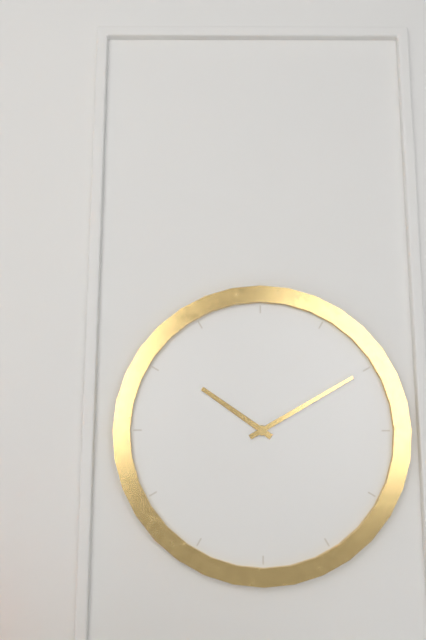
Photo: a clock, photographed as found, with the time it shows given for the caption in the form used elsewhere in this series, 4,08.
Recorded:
10,10
